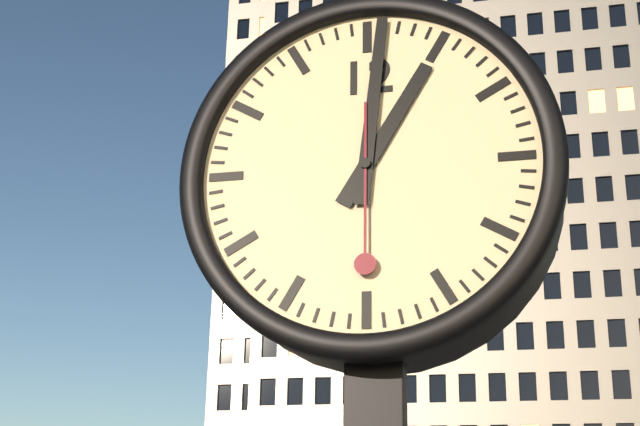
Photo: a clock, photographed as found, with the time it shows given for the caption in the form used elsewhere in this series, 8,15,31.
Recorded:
1,01,30
